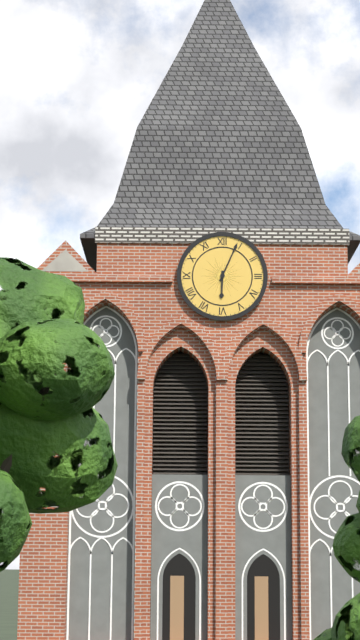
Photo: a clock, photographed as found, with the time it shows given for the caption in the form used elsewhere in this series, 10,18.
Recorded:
6,04
